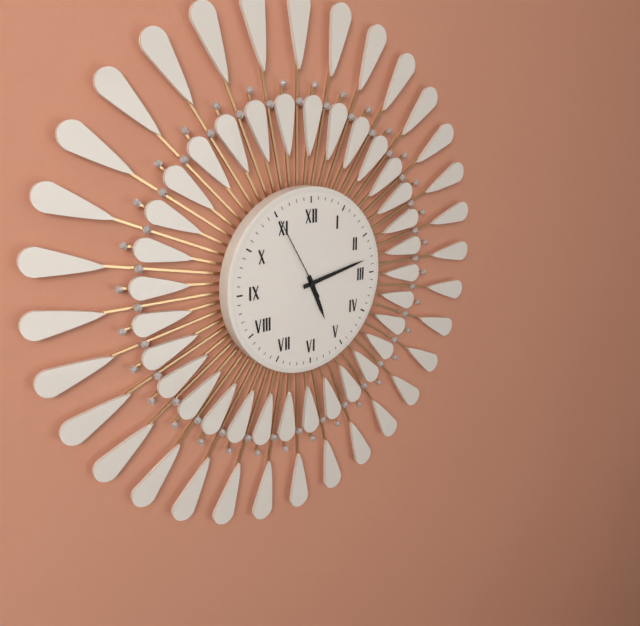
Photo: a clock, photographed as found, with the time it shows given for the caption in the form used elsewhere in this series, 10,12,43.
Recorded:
5,13,55
